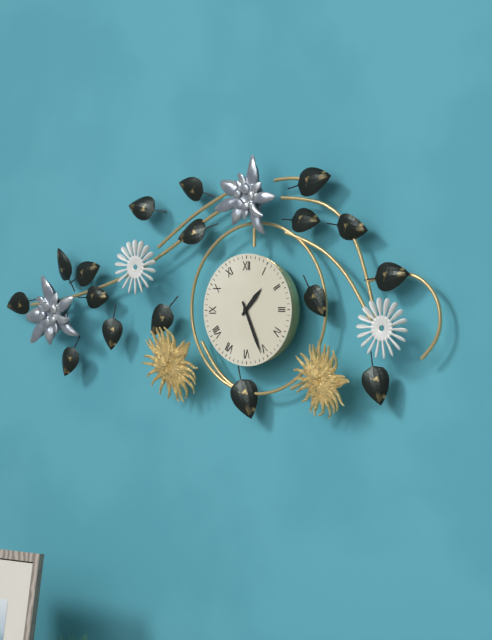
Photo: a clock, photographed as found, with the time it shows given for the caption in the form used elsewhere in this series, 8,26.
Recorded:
1,26
